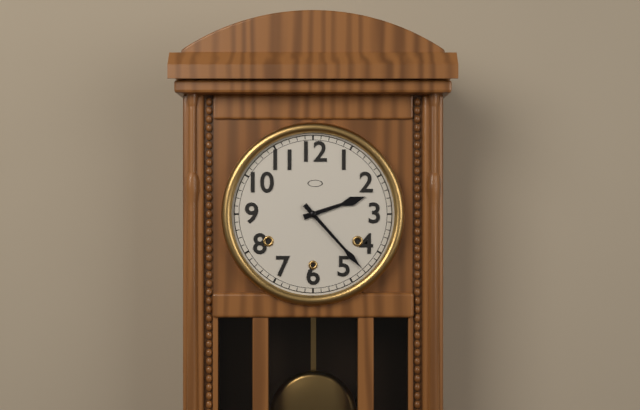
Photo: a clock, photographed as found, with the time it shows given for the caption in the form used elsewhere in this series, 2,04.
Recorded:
2,23
